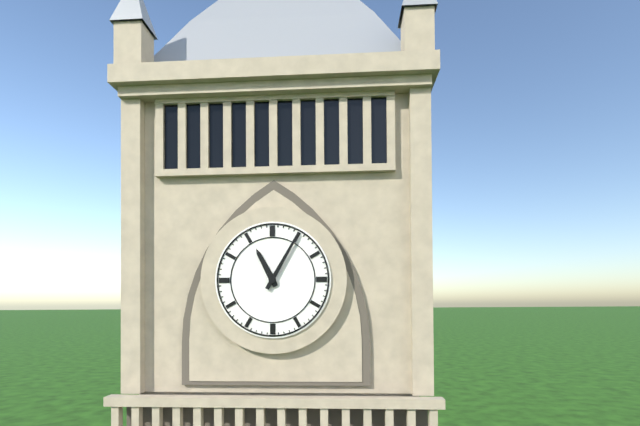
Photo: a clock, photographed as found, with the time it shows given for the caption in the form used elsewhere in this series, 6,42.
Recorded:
11,05
